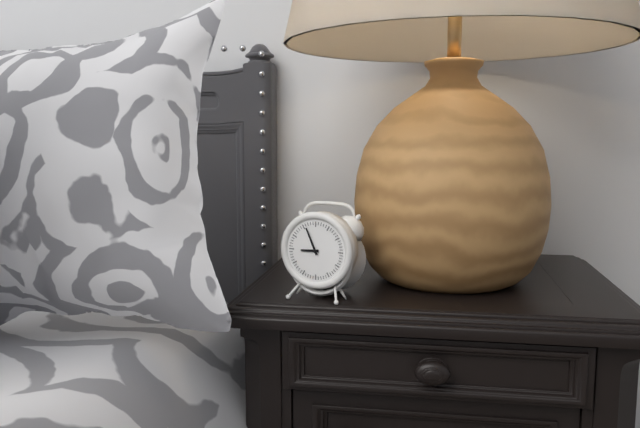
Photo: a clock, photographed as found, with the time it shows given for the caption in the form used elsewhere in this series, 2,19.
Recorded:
8,56
